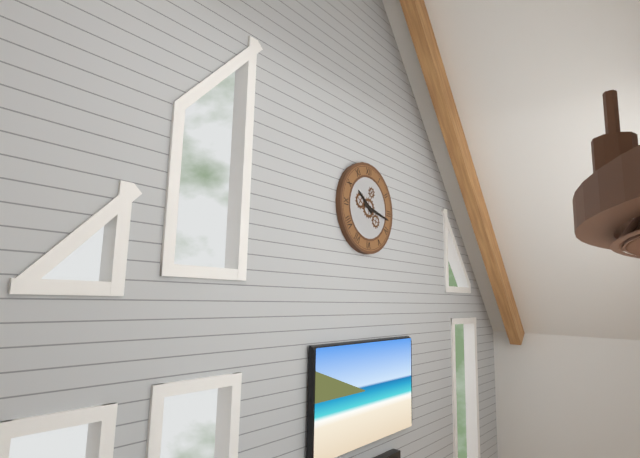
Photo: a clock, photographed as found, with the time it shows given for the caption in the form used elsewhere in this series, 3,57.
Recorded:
10,17
